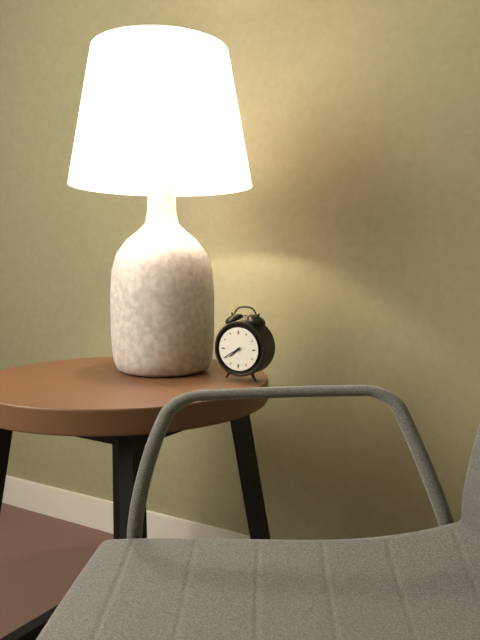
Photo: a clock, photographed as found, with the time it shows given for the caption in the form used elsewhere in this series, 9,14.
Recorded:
7,40
